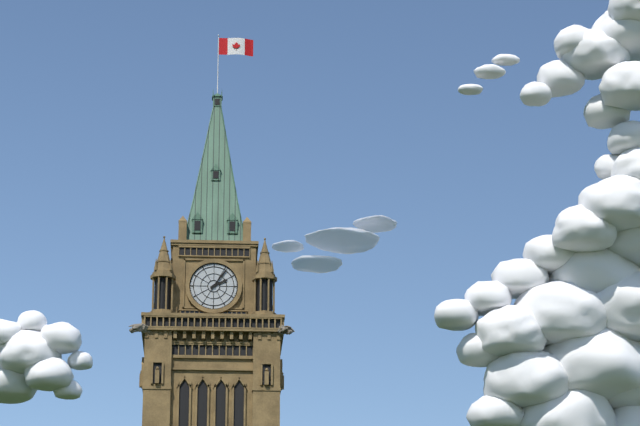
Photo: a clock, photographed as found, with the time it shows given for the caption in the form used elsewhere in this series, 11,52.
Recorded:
2,06
